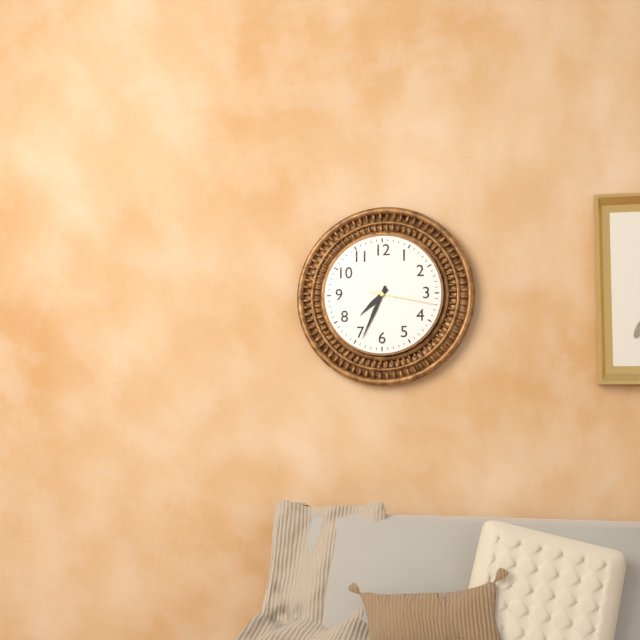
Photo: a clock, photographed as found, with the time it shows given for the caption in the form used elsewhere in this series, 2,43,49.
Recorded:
7,34,17
